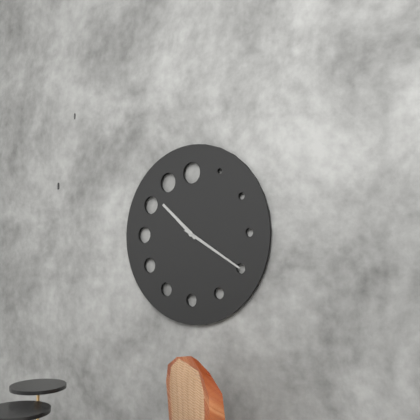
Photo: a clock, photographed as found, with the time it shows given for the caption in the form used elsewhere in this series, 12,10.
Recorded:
10,20
